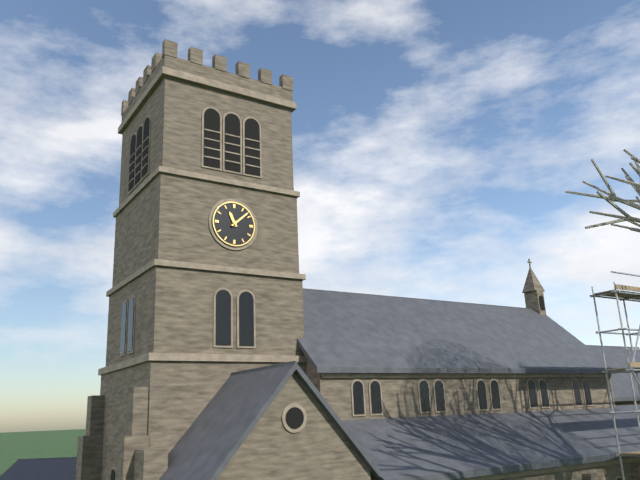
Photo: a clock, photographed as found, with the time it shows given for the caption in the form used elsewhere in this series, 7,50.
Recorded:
11,08
